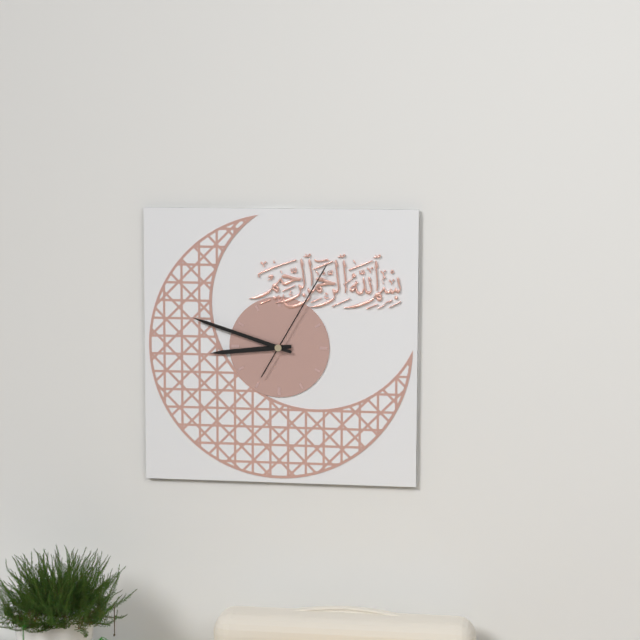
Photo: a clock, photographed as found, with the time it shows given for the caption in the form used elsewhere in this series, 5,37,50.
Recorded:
8,48,05
